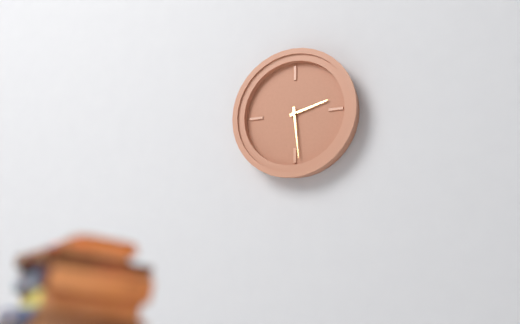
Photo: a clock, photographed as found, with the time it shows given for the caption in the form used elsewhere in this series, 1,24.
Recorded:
2,29
